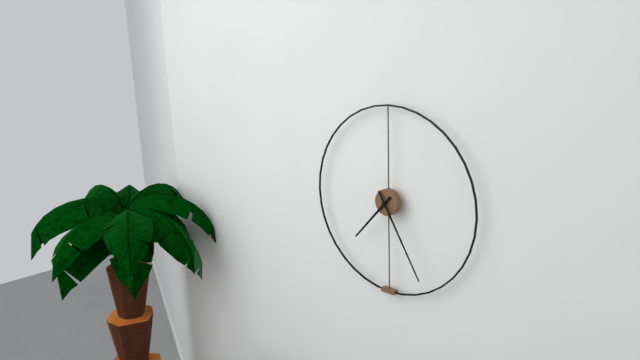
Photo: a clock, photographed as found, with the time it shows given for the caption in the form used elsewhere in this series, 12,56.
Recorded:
7,25
